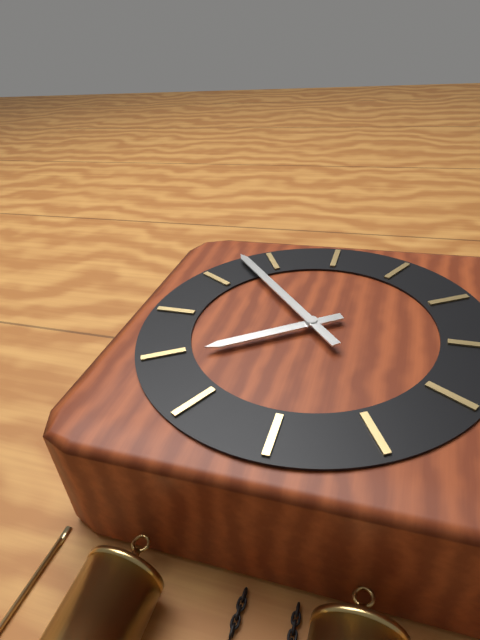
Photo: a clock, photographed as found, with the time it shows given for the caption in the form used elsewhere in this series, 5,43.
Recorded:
7,53
